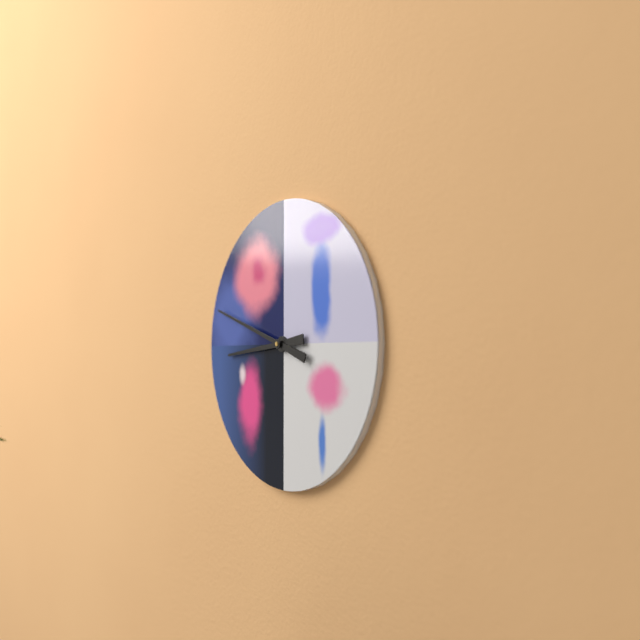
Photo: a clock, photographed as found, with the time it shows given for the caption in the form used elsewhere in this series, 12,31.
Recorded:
8,48
